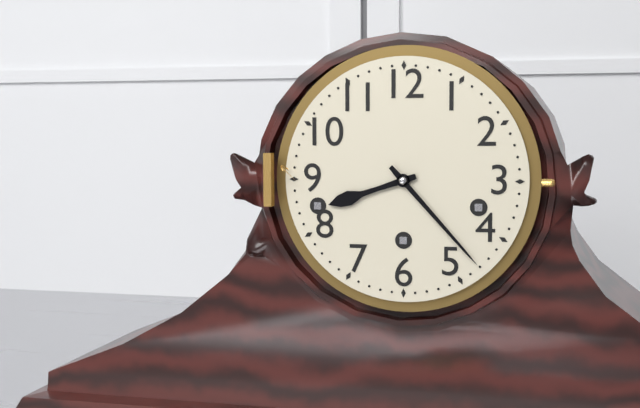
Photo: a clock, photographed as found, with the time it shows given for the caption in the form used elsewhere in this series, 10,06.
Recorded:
8,23
